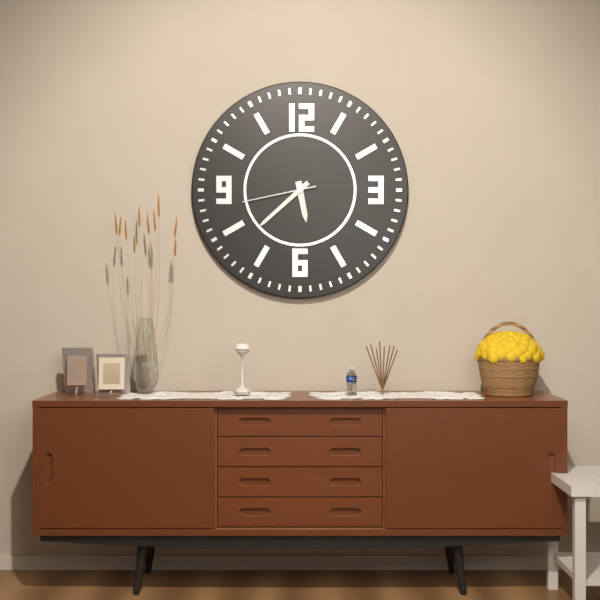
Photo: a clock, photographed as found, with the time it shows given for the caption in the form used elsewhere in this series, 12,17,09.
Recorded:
5,38,43
